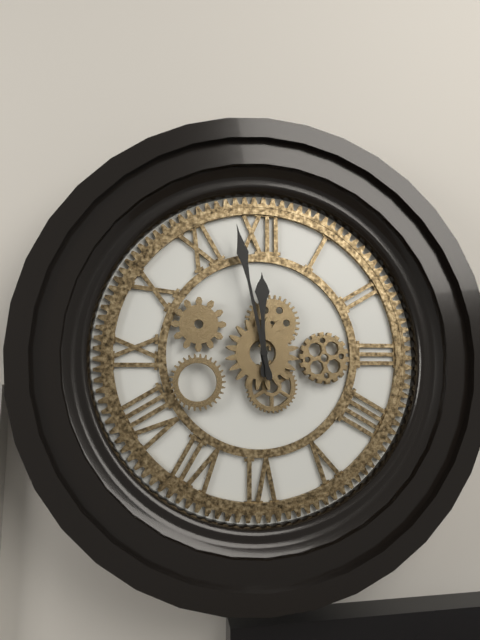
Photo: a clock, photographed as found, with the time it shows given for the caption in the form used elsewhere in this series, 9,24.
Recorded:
11,58
